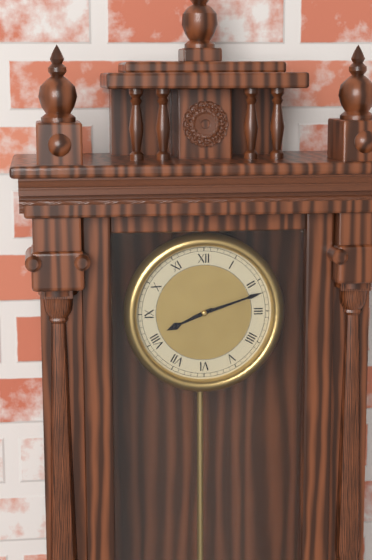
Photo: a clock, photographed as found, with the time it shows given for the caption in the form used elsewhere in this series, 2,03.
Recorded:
8,12
